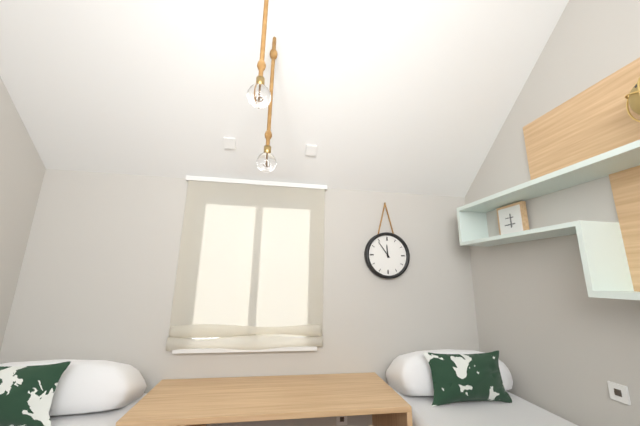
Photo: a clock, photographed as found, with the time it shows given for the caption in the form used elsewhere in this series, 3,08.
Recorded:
11,54
